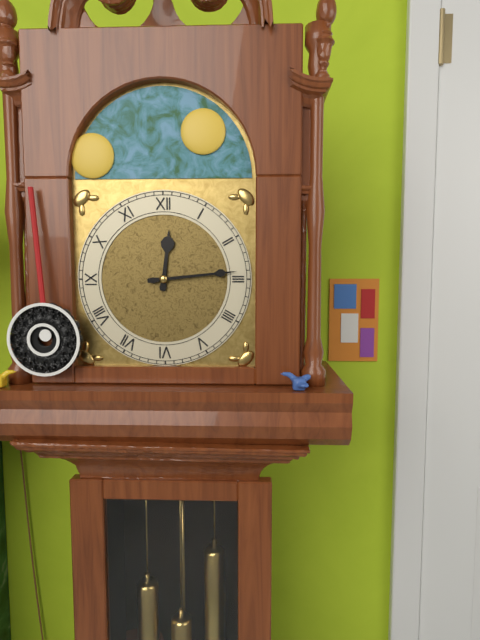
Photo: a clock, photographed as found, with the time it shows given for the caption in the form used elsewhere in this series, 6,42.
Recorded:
12,14
